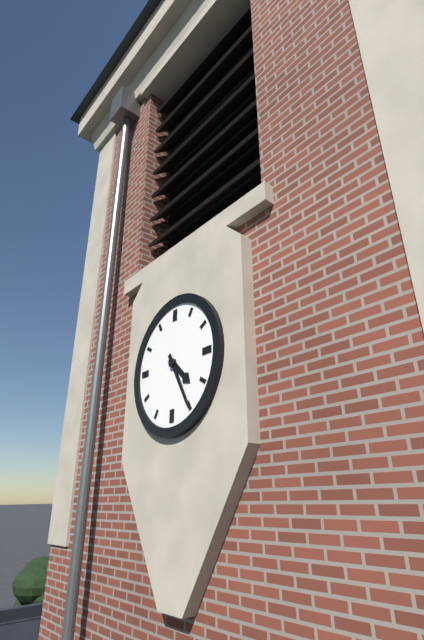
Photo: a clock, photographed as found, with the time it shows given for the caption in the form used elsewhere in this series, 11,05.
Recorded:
4,25
